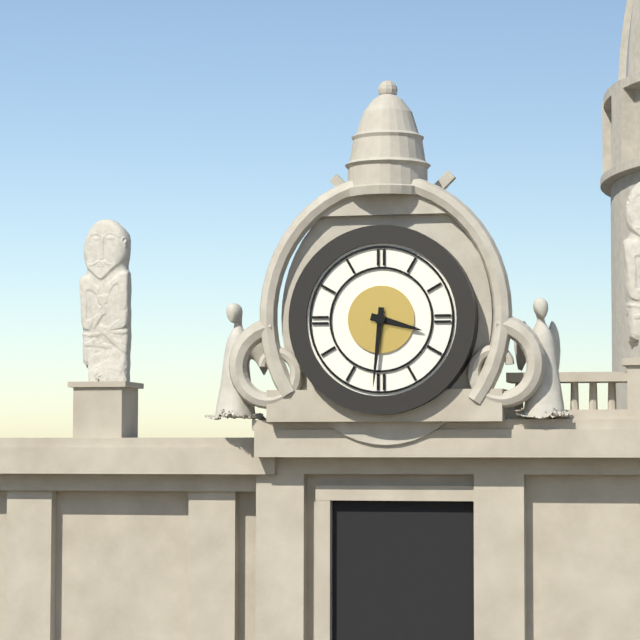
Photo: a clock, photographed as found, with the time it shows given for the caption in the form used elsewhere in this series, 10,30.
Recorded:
3,31
